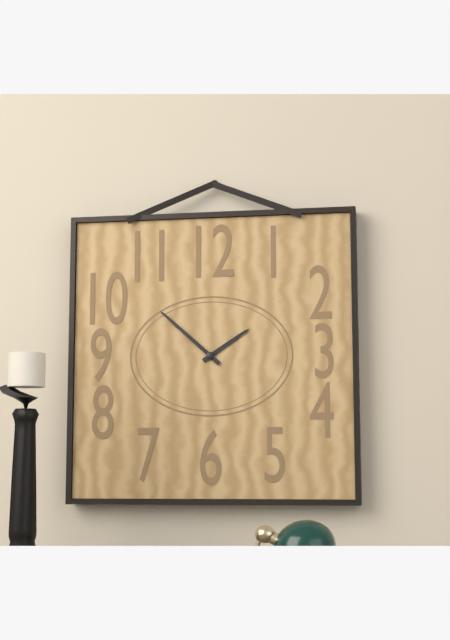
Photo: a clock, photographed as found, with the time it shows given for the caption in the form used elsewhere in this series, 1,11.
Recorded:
1,52
